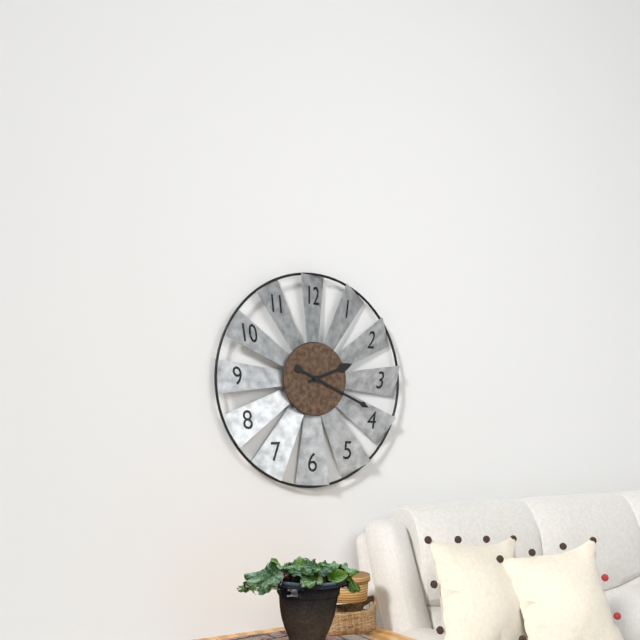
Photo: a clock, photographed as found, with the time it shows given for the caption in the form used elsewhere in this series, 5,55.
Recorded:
2,19
